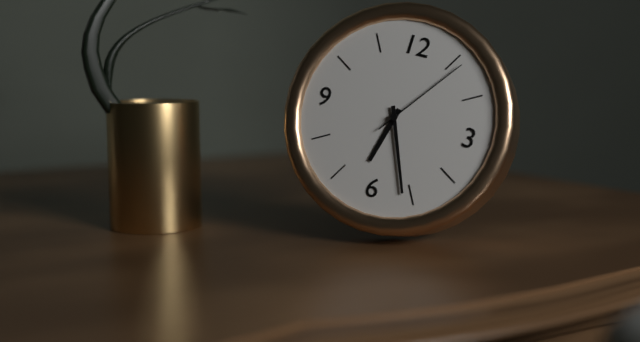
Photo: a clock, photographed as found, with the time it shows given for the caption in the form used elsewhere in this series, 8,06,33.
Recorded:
6,26,06
